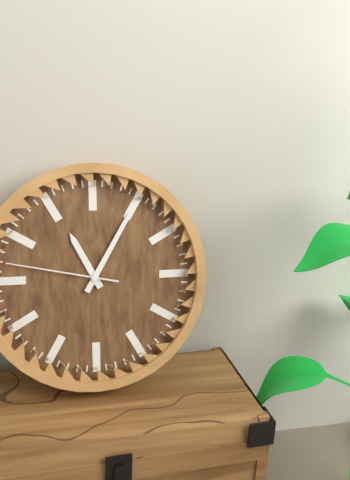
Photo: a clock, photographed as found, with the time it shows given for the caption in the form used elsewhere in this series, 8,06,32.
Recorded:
11,05,47
